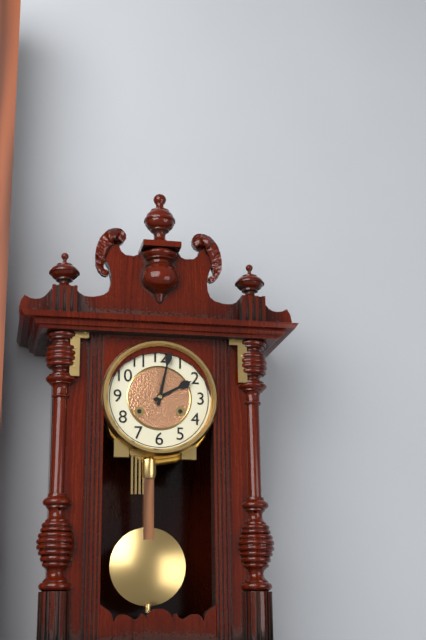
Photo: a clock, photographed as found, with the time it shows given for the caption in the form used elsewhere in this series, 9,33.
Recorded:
2,02
